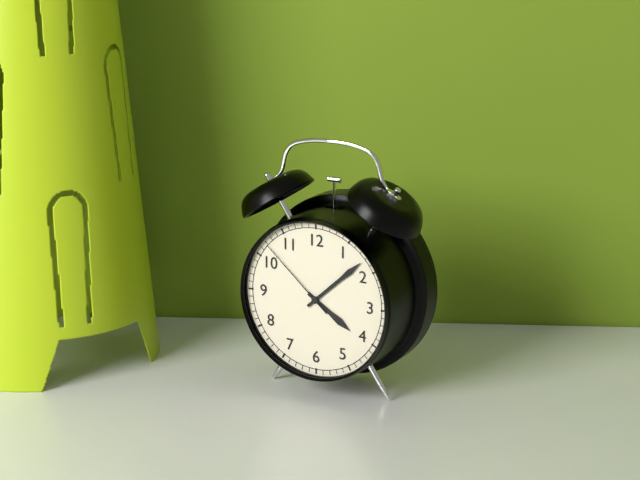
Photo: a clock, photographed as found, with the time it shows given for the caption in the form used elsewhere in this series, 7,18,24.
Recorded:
4,08,52
